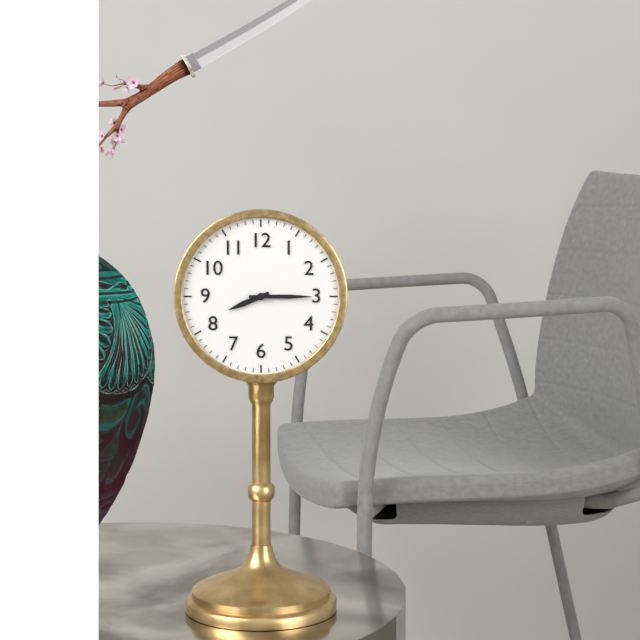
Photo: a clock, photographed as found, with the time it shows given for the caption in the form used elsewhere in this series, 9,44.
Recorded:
8,15
